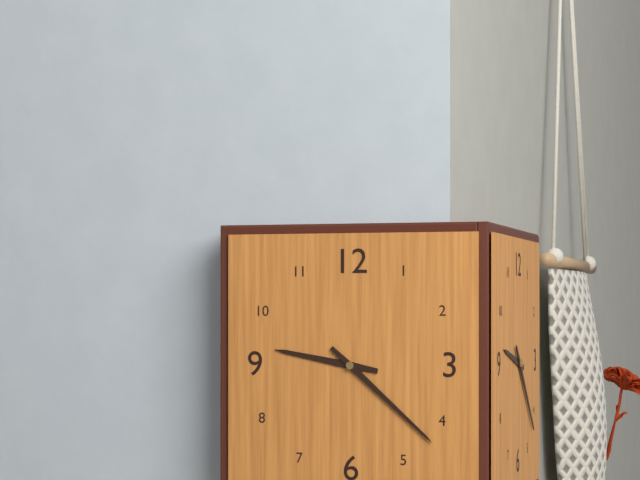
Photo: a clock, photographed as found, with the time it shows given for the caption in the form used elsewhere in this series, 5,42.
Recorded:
9,22
